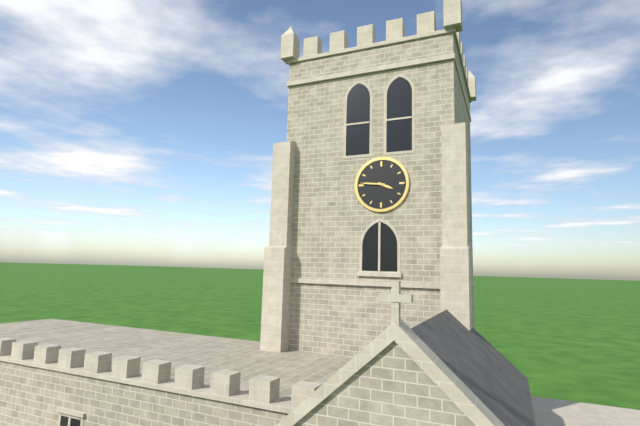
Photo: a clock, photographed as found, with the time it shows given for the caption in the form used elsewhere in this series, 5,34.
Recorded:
3,46
